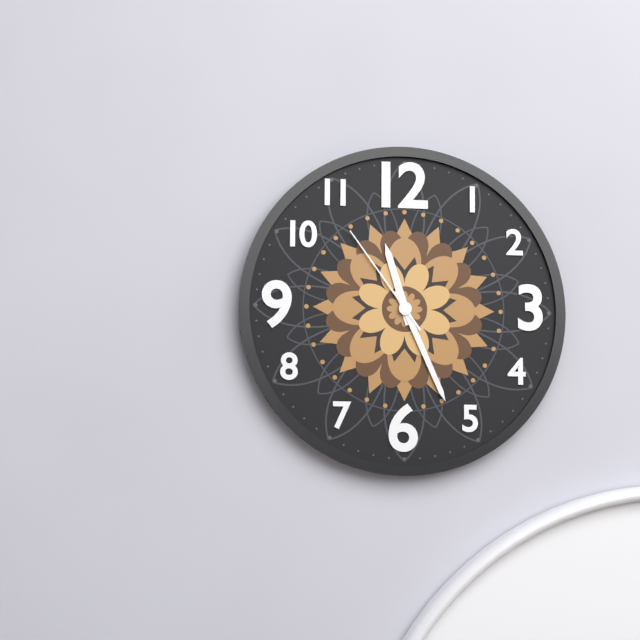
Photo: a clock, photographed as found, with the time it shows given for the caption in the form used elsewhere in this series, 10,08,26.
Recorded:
11,26,54
